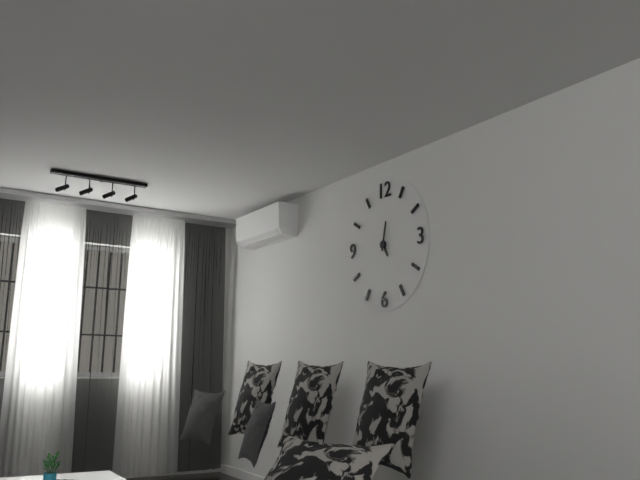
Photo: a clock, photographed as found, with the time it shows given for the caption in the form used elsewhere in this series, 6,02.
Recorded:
5,02
